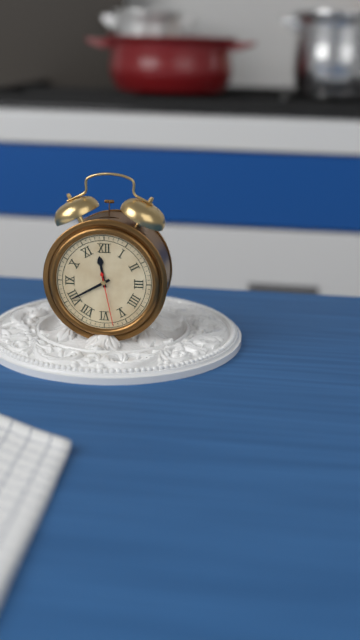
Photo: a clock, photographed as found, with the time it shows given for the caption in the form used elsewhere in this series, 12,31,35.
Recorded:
11,40,28
